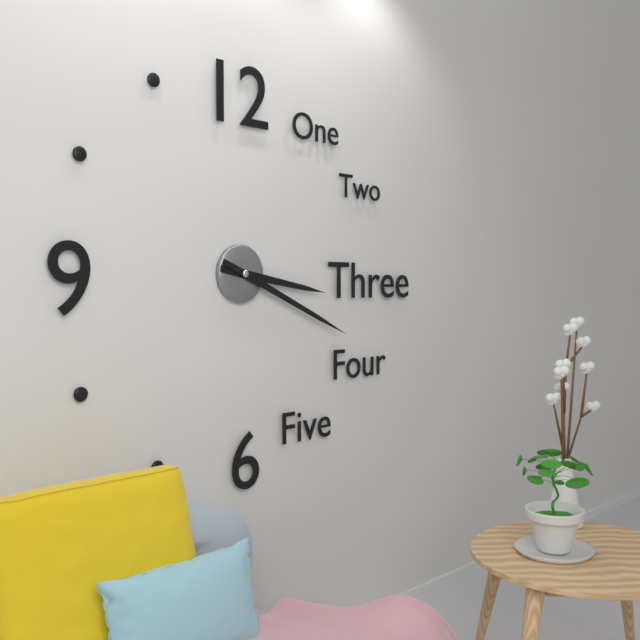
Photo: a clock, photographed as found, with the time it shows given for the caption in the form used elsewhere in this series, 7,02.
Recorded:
3,19
